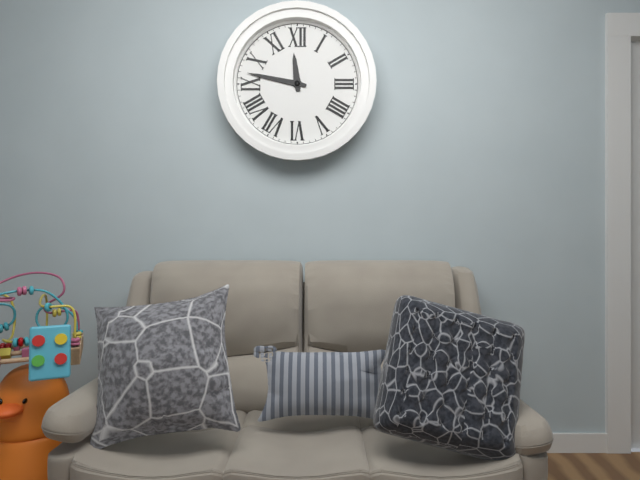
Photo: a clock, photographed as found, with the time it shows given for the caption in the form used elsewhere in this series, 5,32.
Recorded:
11,47
